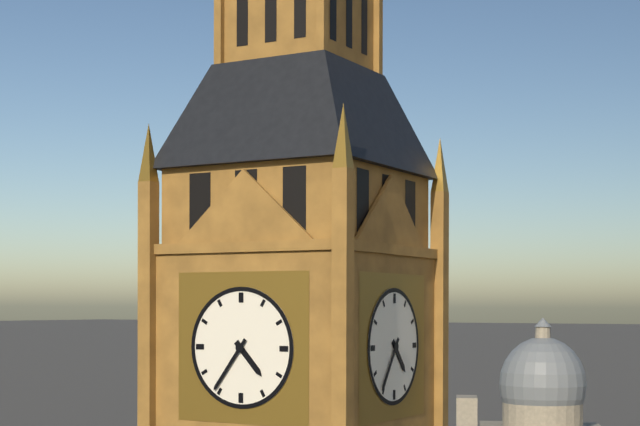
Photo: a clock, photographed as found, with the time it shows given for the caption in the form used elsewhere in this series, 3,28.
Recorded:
4,36
